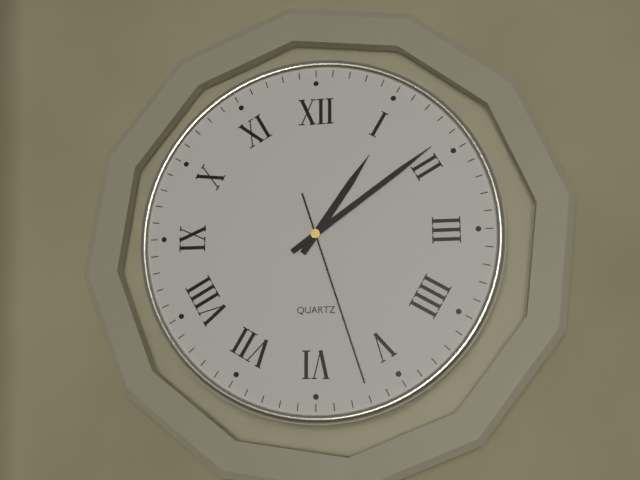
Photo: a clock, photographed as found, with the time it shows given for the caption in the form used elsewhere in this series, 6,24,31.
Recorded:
1,09,27
